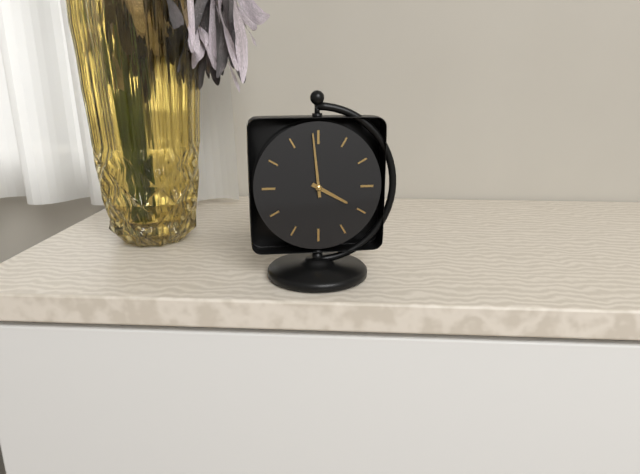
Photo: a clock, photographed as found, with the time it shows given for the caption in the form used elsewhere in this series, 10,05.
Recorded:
3,59
